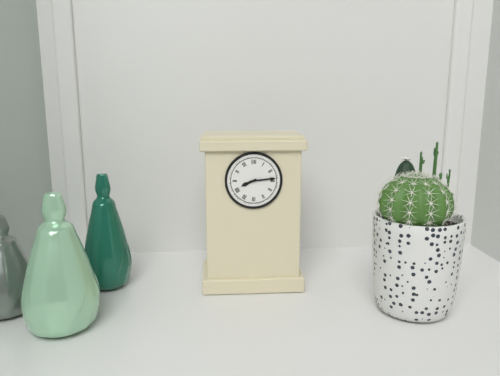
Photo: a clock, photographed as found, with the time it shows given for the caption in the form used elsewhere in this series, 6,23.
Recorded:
8,14
